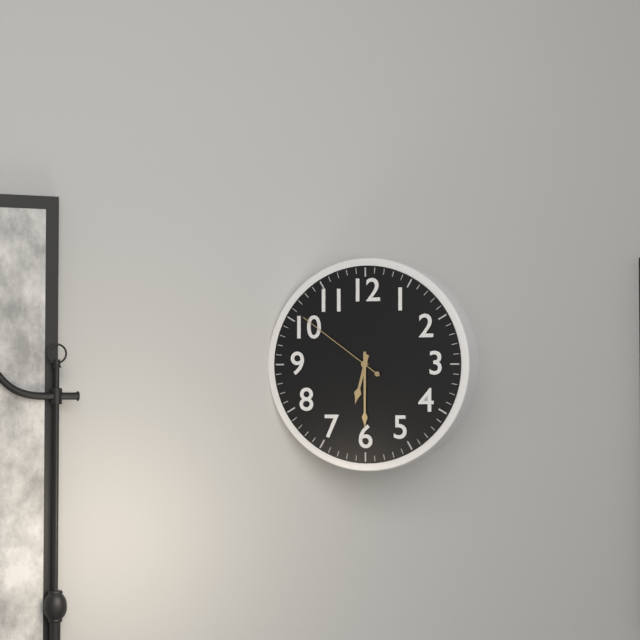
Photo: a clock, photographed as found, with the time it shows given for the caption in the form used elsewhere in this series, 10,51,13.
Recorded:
6,30,51
